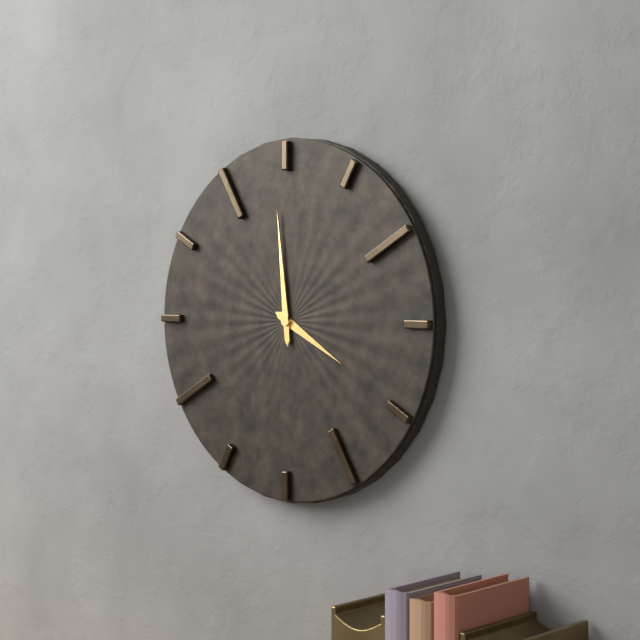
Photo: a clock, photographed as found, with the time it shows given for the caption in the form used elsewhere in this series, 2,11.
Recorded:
3,59
